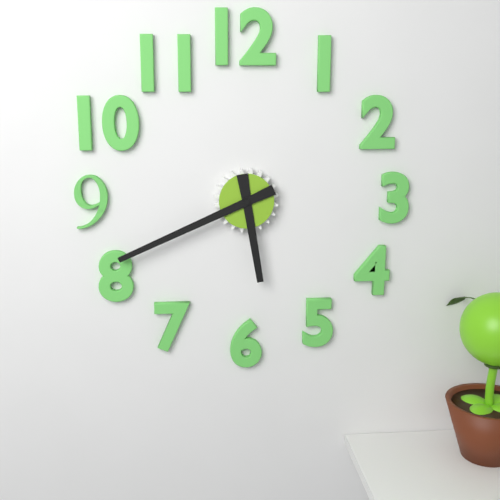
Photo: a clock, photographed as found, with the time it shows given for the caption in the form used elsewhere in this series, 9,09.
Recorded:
5,41
